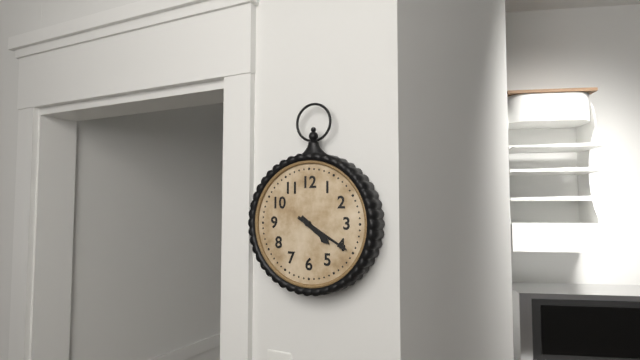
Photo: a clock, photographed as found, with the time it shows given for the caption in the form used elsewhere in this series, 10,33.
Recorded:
4,20
